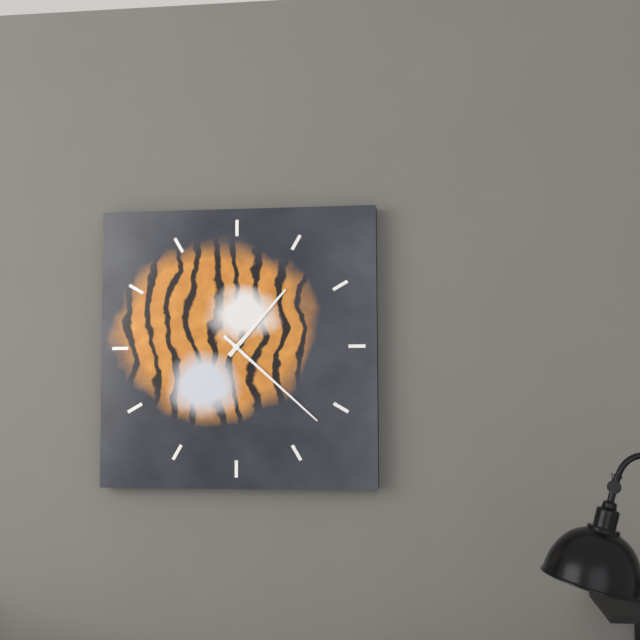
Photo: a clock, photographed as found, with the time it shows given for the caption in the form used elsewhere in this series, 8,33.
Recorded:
1,22
